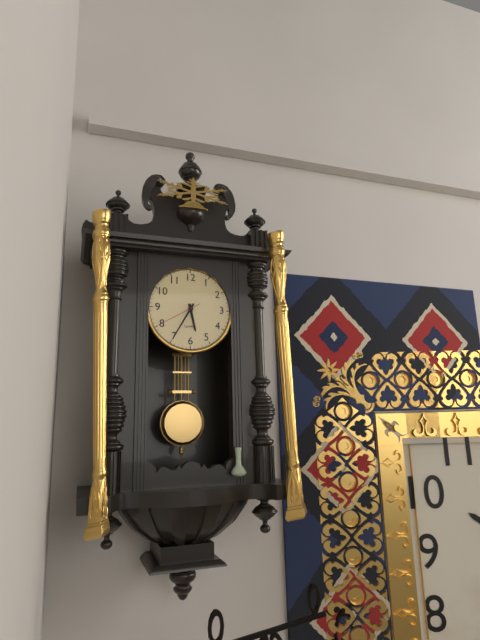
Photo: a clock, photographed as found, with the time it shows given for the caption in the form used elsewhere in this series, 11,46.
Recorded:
5,35
